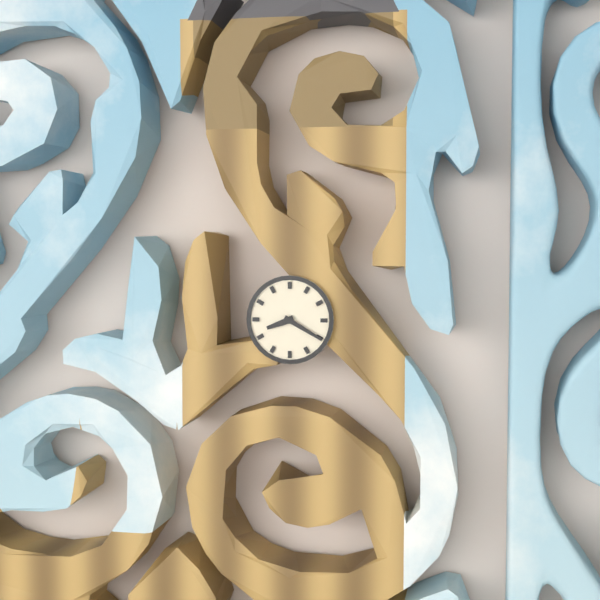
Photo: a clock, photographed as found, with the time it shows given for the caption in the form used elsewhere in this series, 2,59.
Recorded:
8,20
